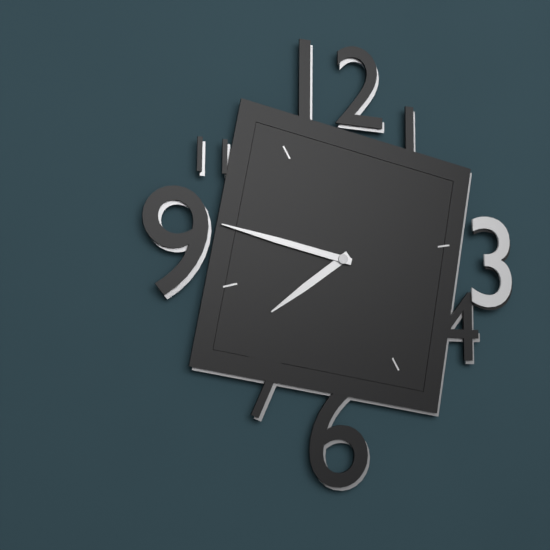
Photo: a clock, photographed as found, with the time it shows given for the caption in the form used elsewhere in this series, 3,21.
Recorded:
7,47
